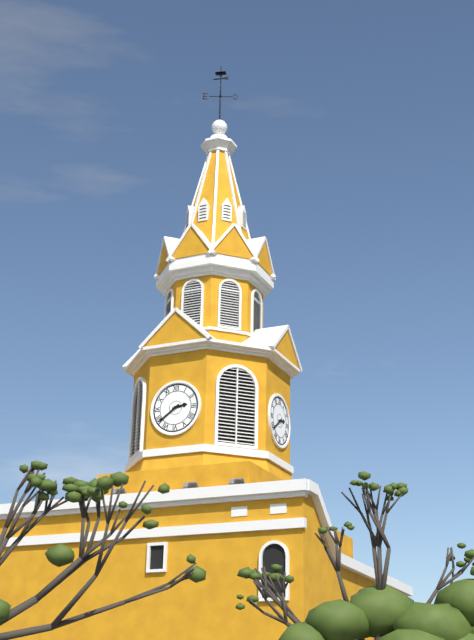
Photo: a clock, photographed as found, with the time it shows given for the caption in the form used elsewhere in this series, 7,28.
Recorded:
2,39
